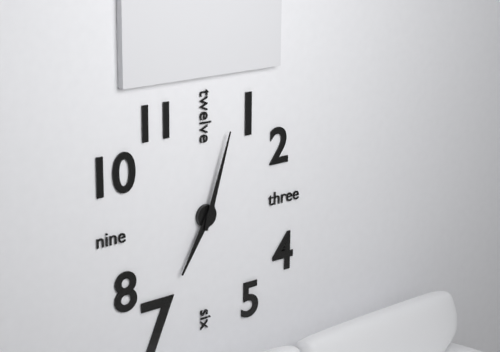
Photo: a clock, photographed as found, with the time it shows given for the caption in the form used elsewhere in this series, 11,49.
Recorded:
7,03
